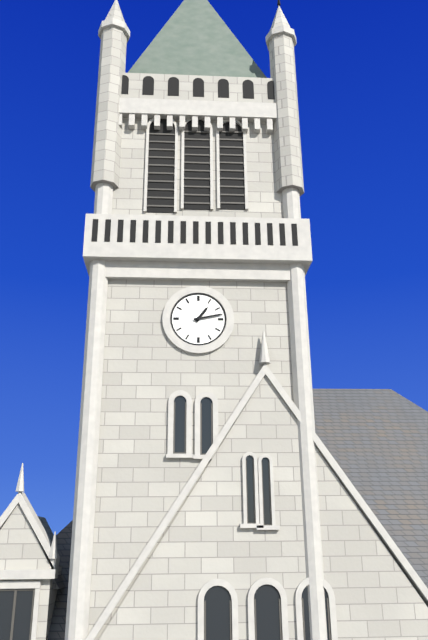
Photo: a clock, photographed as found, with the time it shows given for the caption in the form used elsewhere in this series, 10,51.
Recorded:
1,13
